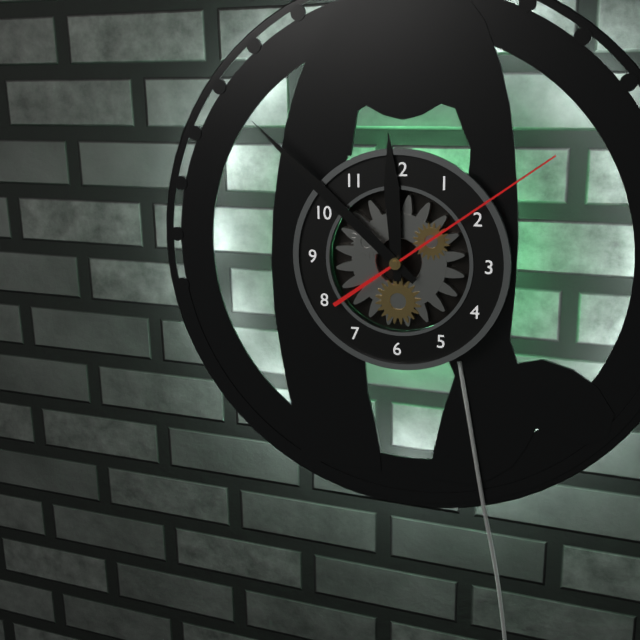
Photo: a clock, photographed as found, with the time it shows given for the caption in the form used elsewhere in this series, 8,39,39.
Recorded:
11,52,09
